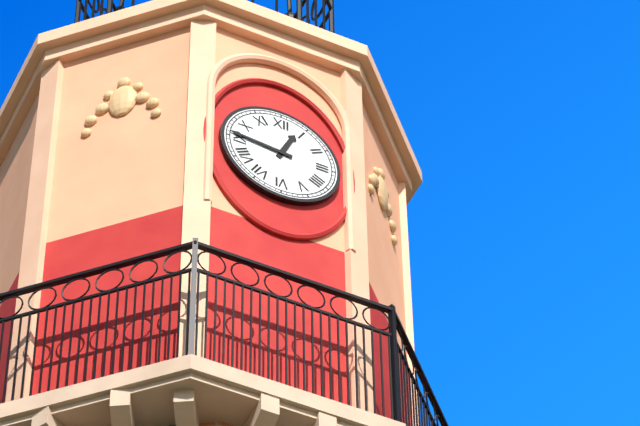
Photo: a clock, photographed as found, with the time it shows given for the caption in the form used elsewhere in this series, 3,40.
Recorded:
12,46
